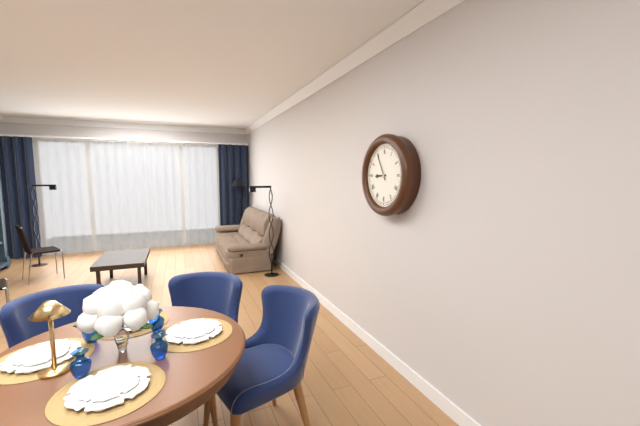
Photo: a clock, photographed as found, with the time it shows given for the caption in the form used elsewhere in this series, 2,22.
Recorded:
8,55
